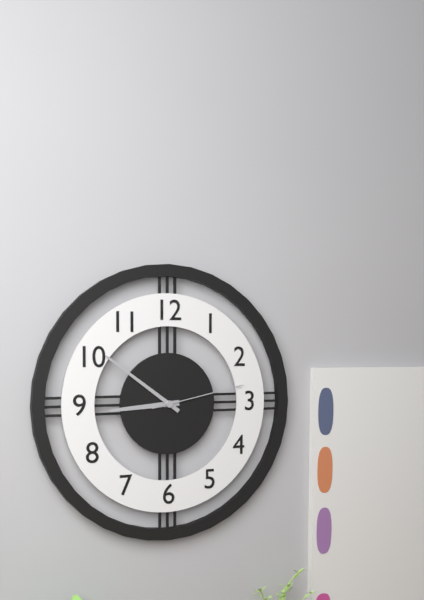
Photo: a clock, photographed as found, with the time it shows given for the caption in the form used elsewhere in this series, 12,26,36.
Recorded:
8,51,13
